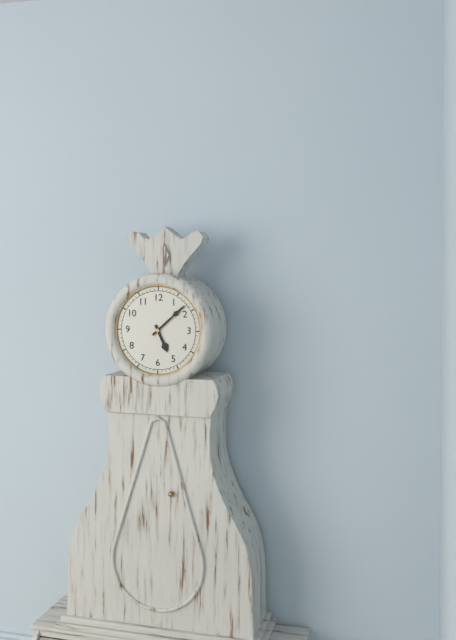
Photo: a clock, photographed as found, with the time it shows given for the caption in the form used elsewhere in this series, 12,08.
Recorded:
5,08
